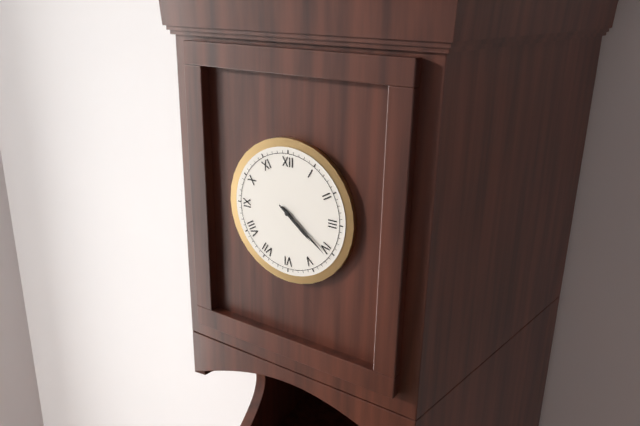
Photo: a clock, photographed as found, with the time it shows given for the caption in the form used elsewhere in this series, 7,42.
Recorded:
4,21
